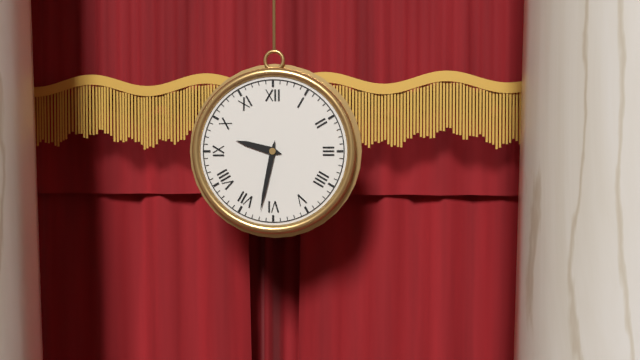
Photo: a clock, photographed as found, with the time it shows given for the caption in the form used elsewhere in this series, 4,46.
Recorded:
9,32
